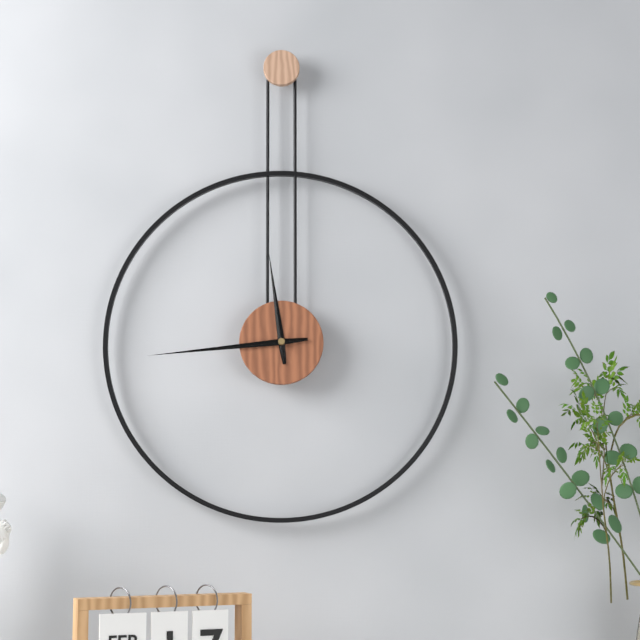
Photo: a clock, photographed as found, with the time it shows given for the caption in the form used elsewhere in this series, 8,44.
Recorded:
11,44
